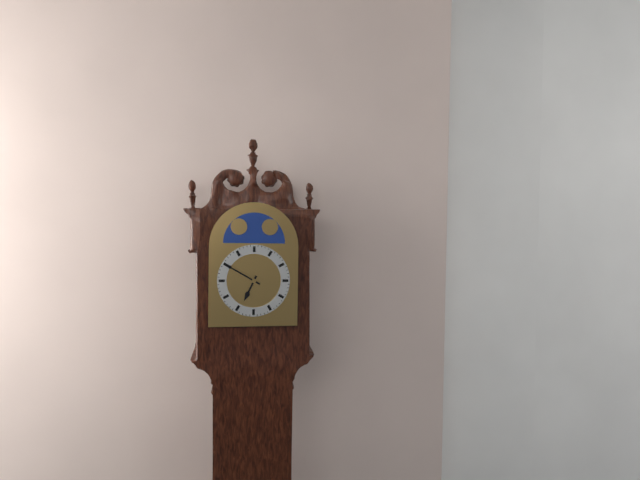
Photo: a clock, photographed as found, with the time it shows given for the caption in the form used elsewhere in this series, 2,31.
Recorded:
6,50
